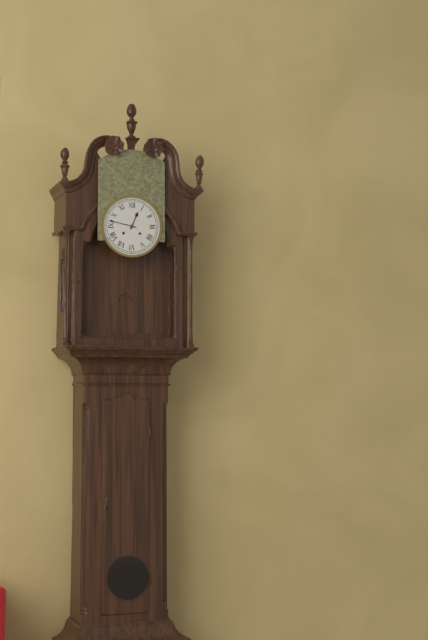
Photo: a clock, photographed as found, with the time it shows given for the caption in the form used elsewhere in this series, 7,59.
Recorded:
12,47
